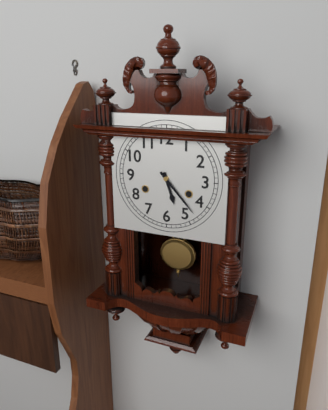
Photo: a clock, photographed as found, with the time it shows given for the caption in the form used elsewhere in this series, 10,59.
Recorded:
5,23
